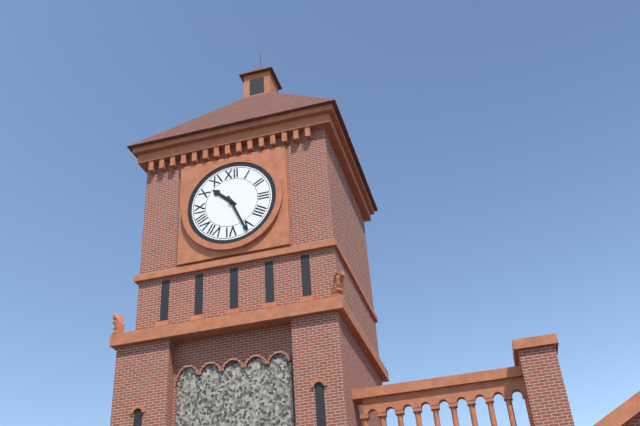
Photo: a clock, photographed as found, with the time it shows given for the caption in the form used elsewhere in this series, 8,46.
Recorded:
10,26
